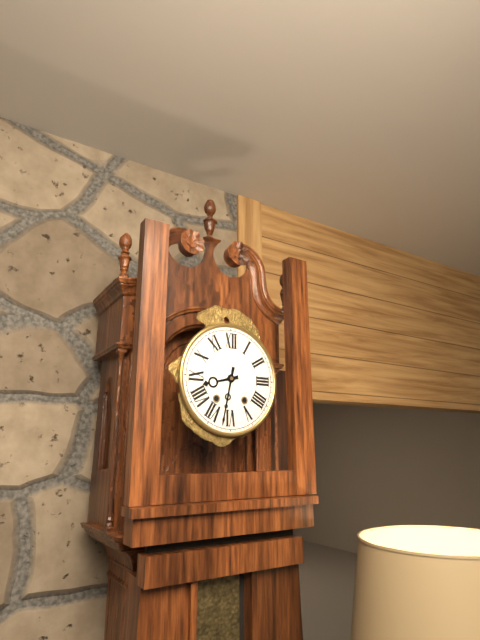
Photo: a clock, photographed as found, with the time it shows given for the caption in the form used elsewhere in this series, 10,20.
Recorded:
8,32
